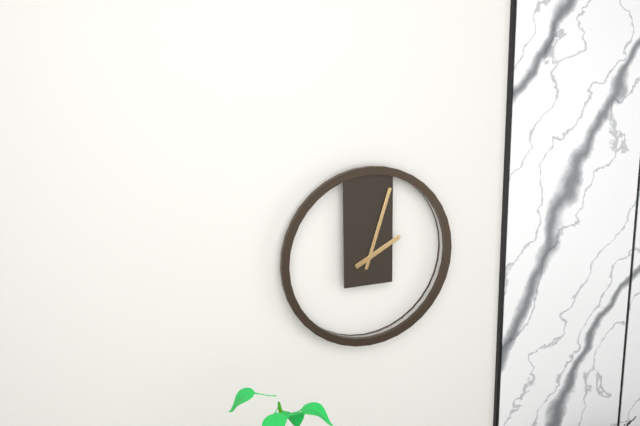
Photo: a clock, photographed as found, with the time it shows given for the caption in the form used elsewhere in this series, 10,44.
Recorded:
2,03
